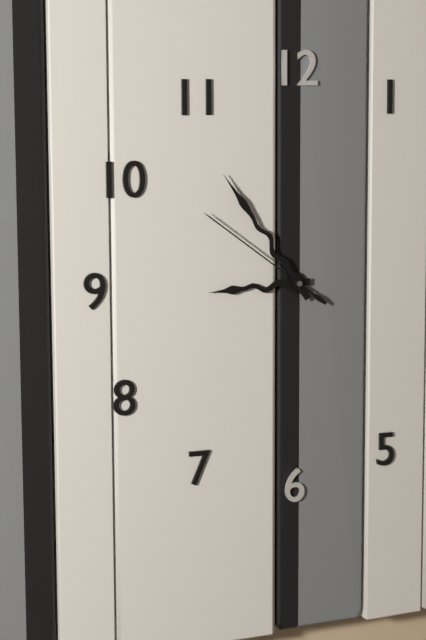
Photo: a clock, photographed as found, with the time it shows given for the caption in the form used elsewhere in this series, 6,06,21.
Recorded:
8,54,51
